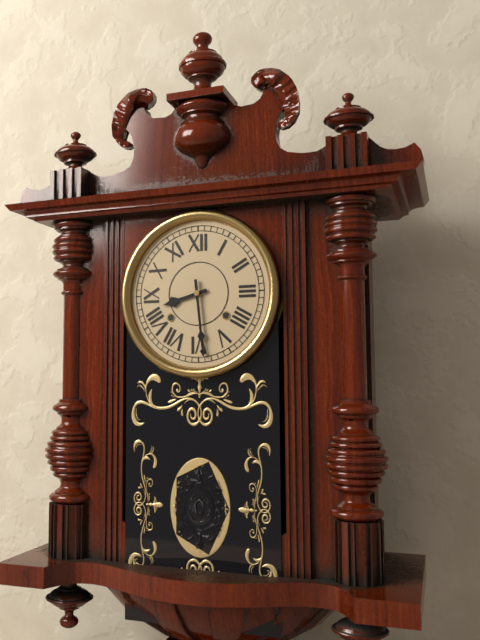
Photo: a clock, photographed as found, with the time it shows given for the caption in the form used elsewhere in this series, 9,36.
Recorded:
8,29
